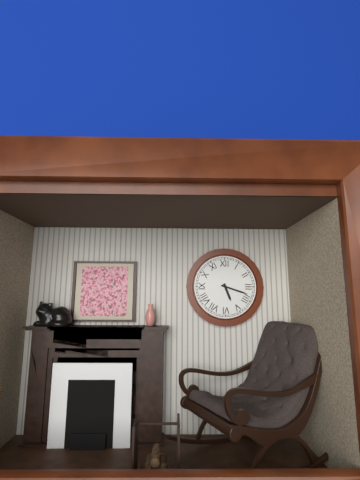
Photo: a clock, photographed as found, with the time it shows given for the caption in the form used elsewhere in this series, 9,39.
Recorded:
5,18
